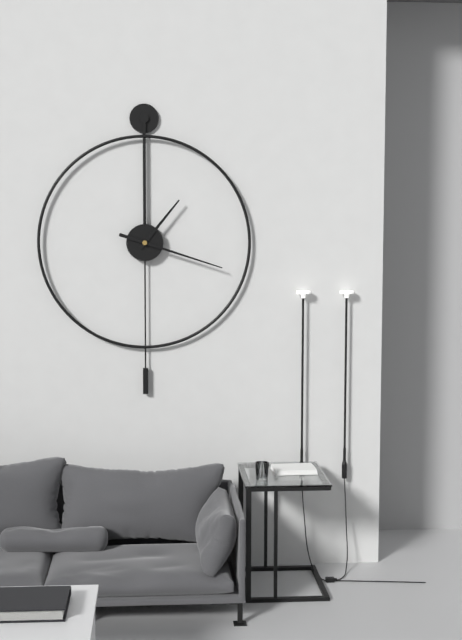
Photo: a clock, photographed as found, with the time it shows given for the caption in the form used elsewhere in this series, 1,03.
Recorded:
1,18
